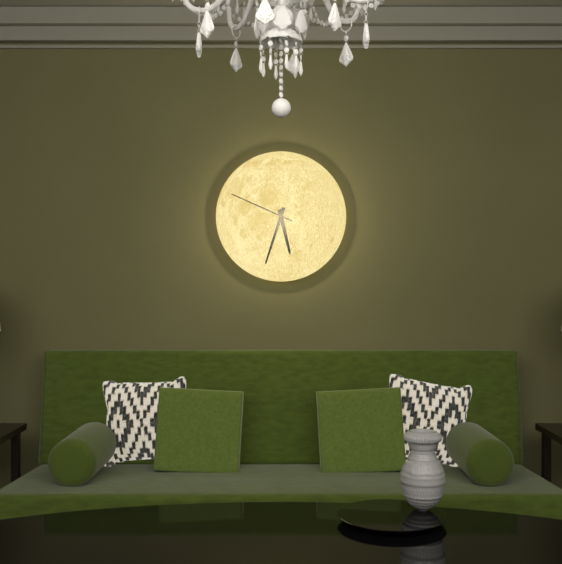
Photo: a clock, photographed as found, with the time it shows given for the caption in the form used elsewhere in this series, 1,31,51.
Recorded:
5,33,49
